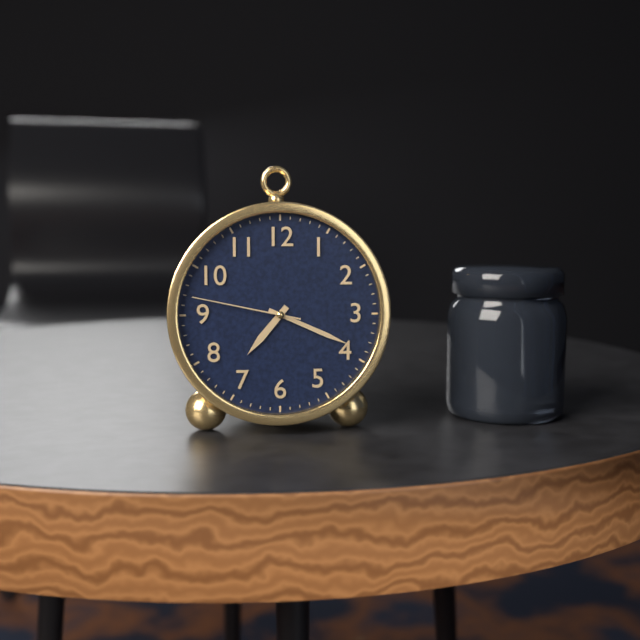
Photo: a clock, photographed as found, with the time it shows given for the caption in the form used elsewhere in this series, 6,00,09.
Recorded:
7,19,47
